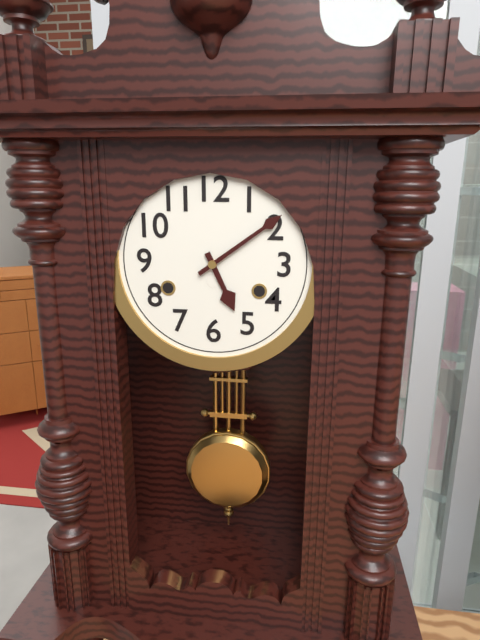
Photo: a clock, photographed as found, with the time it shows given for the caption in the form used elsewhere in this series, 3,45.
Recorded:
5,09
